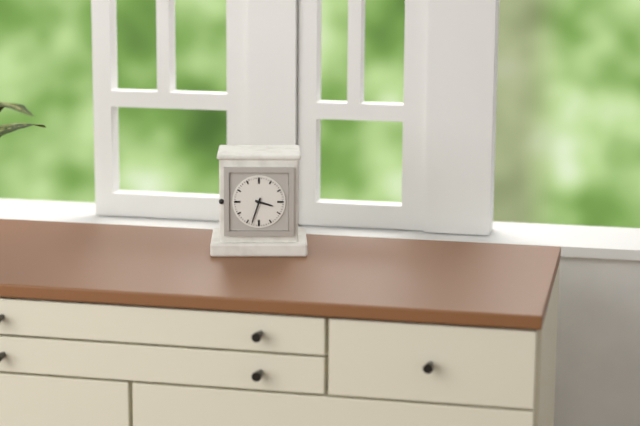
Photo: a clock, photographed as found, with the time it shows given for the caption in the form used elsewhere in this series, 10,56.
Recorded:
3,33
